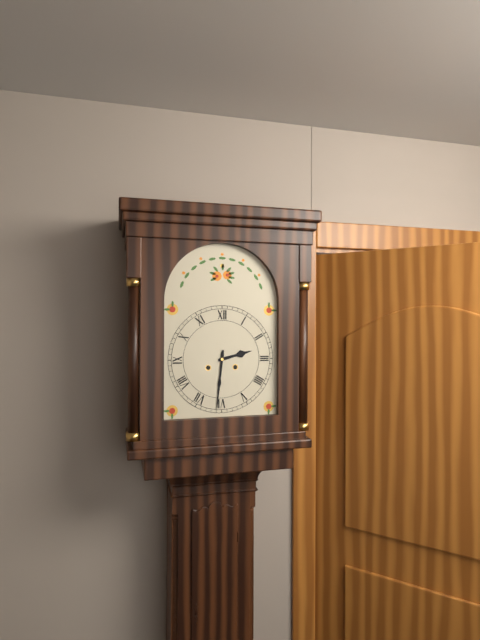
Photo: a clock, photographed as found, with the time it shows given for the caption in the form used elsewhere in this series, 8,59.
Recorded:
2,31
